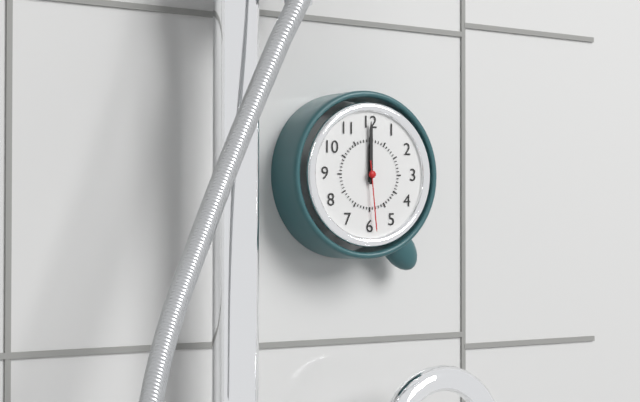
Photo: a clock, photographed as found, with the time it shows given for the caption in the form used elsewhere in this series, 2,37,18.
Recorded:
12,00,29
